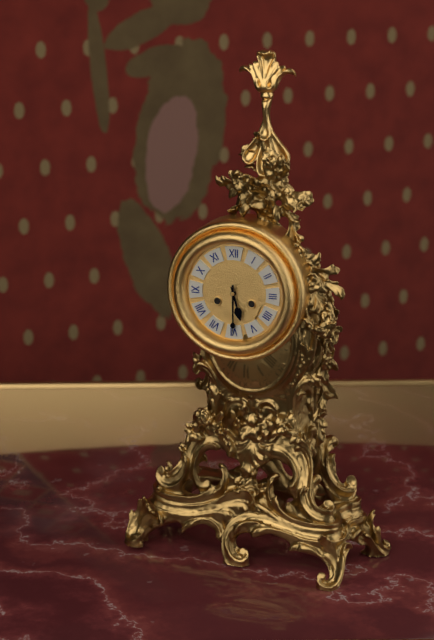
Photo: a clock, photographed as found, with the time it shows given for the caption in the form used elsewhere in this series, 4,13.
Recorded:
5,30
